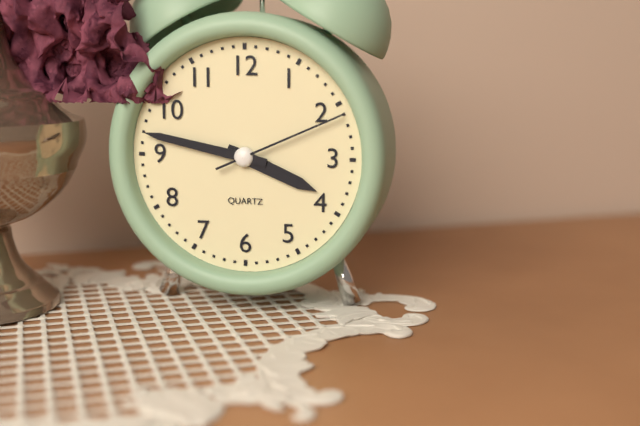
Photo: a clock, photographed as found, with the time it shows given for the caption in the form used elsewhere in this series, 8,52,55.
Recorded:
3,47,11
